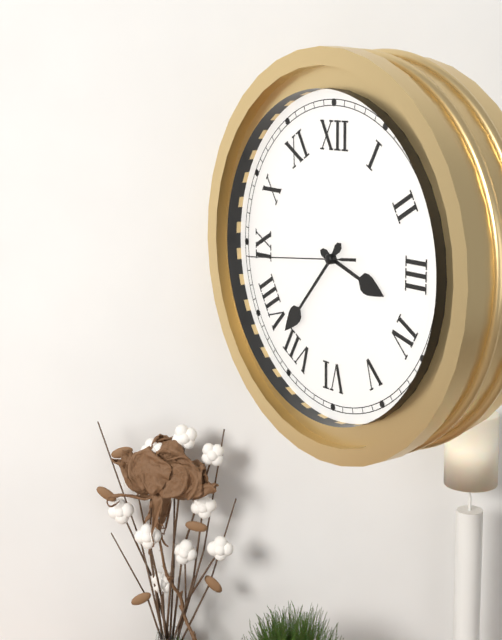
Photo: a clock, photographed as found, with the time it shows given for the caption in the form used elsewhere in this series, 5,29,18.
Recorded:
3,37,44
